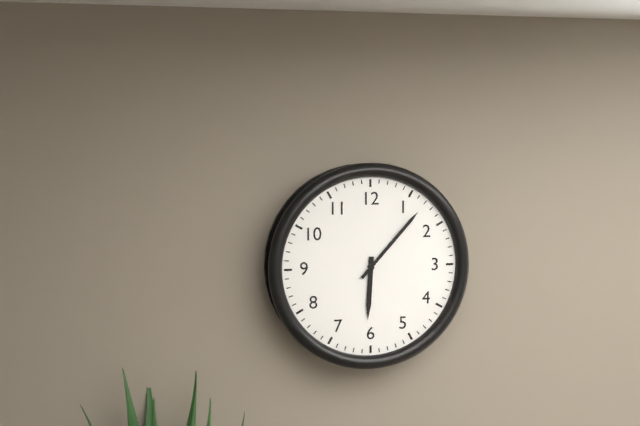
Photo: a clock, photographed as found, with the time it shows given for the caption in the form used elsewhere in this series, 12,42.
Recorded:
6,07
